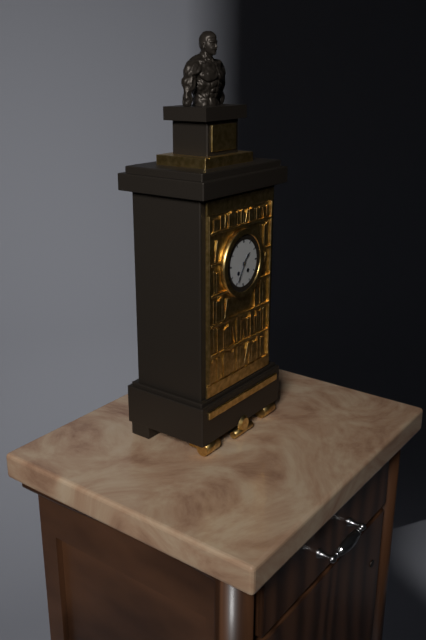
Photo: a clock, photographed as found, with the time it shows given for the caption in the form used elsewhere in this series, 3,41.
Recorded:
1,35
